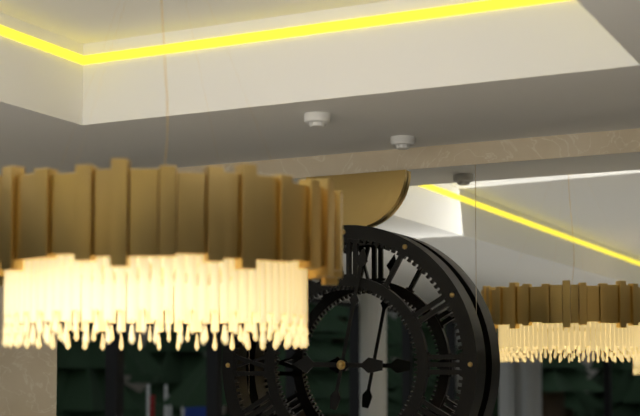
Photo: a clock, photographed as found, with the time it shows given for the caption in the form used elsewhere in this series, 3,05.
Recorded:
9,02
